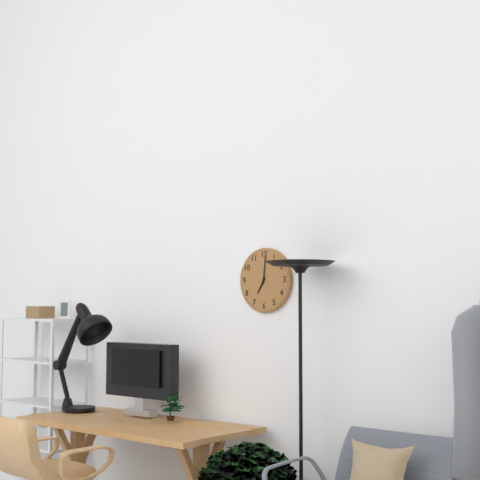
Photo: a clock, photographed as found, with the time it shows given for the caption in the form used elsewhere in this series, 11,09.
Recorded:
7,01
